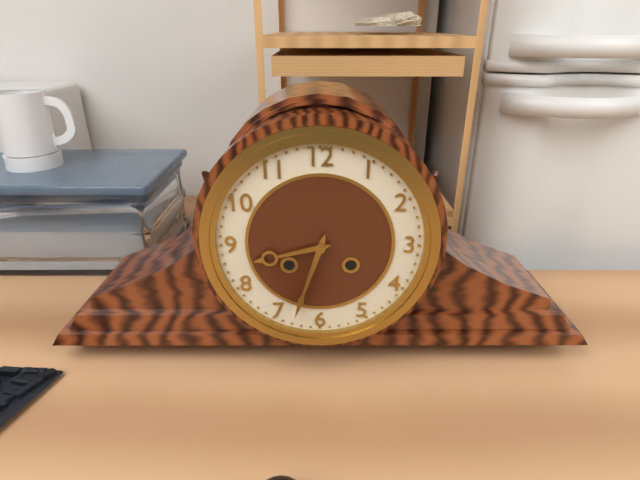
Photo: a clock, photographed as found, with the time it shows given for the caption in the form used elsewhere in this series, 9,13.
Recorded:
8,33
